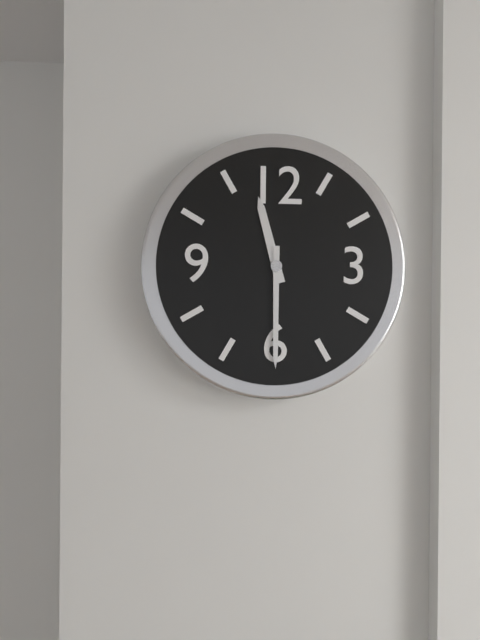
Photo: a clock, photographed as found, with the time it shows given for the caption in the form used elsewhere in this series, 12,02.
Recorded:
11,30
